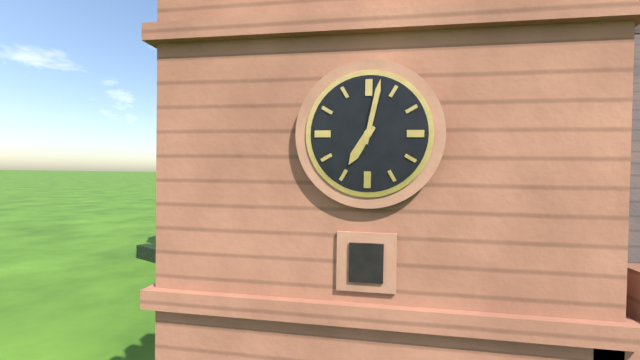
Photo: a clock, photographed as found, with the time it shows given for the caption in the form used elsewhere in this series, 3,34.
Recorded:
7,02
